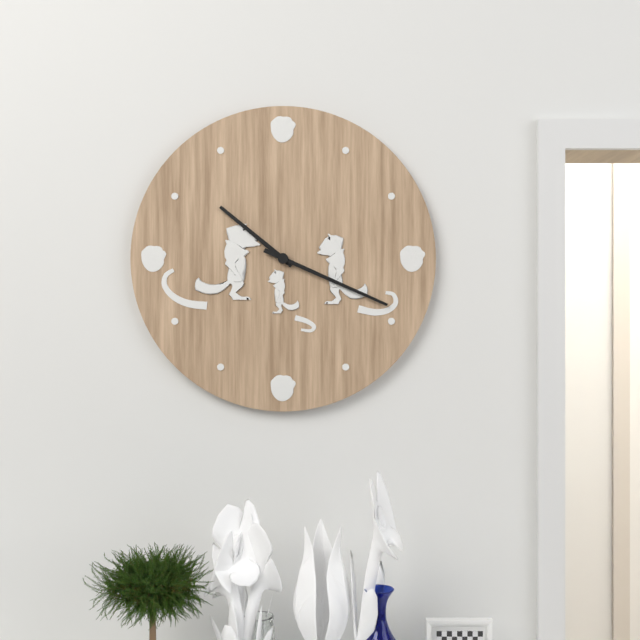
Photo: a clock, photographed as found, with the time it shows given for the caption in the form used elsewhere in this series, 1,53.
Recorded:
10,19
